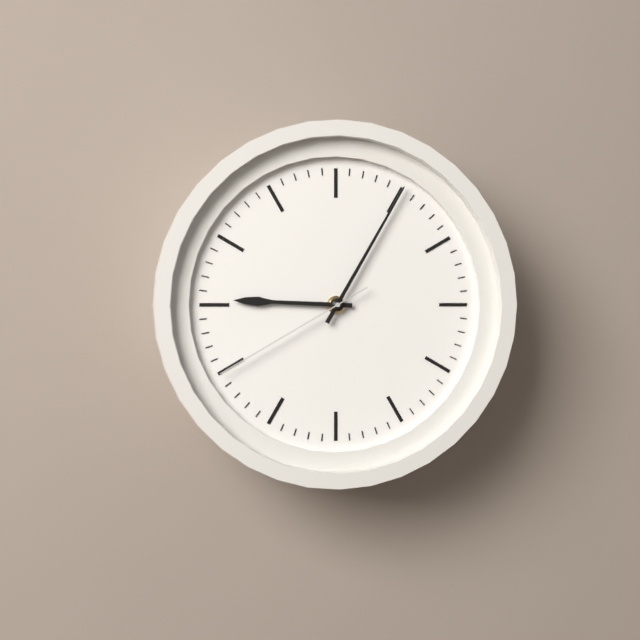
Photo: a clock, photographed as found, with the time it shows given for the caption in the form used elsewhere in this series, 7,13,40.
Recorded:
9,05,40
